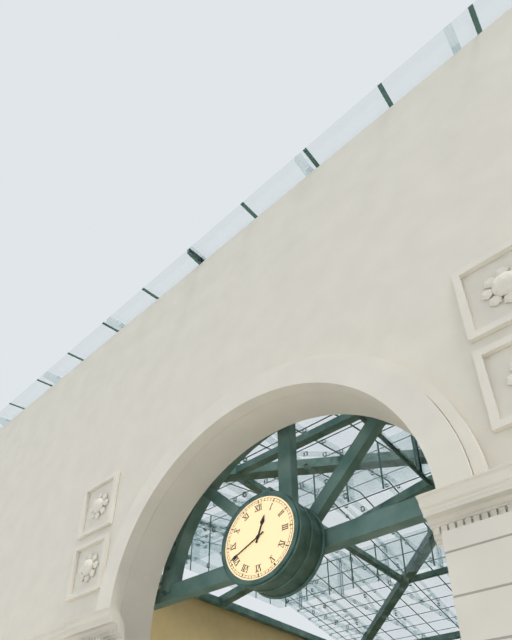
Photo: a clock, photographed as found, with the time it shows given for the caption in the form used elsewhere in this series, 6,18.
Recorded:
12,41
